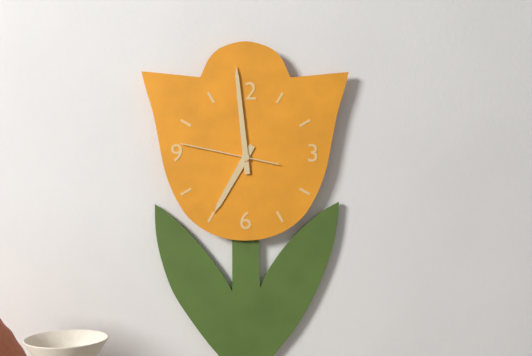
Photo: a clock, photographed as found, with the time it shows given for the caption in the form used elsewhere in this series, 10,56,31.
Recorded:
6,59,47
